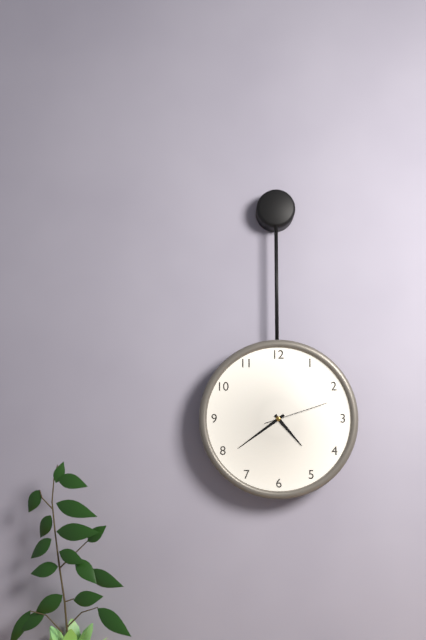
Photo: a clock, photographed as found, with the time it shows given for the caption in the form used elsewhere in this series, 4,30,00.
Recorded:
4,39,12
